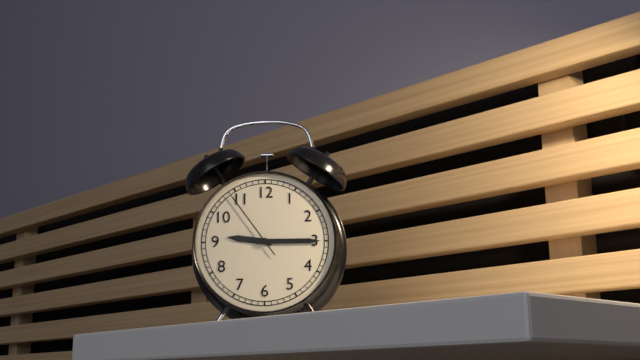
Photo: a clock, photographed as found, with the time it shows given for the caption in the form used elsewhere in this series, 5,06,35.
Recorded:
9,15,54
